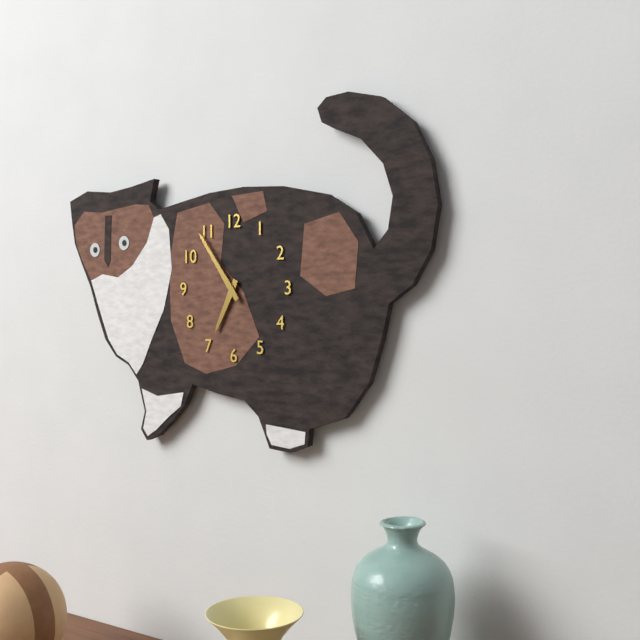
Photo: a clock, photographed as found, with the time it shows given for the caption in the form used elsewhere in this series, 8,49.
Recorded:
6,54
